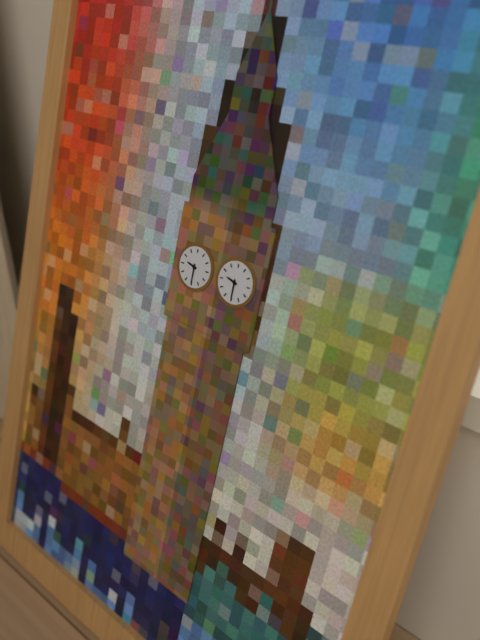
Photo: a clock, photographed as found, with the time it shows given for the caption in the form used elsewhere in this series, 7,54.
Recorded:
9,30
